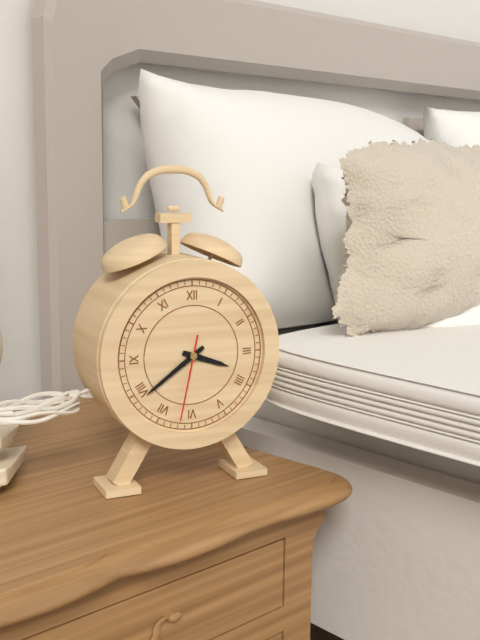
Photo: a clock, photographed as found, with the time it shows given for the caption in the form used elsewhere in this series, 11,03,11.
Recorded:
3,39,32
